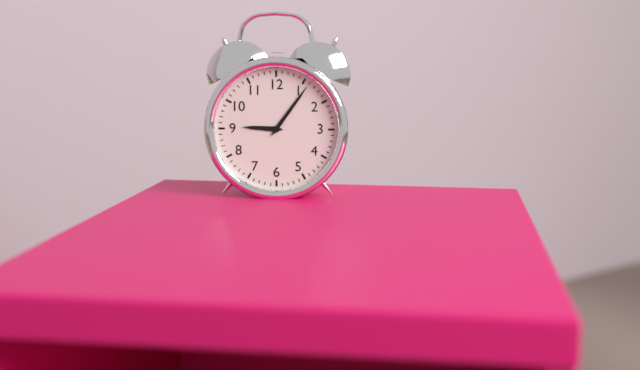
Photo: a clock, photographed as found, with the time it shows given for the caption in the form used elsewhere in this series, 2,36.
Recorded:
9,06
